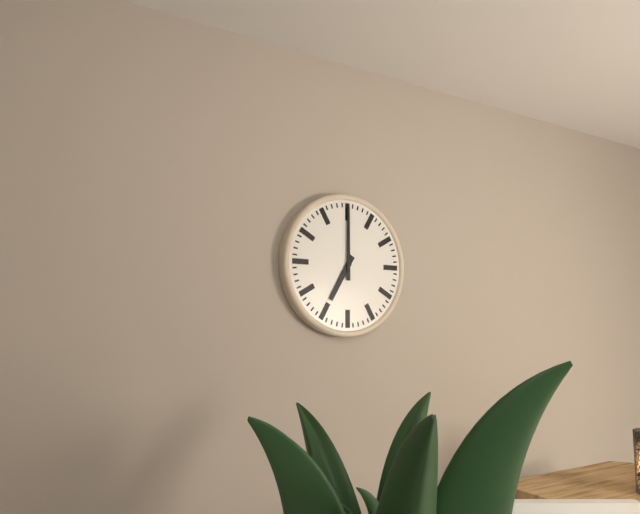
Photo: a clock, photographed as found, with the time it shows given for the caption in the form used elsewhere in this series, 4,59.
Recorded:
7,00
